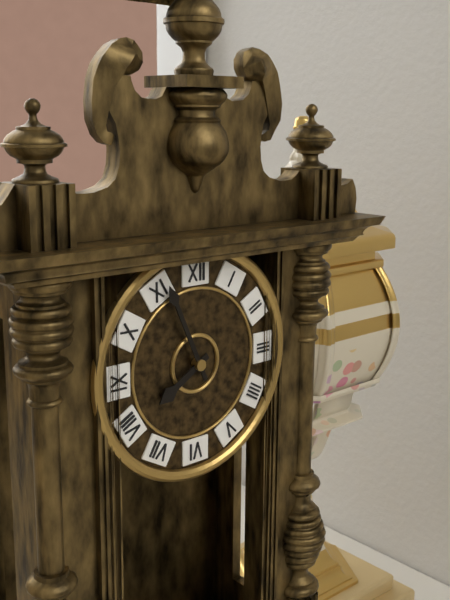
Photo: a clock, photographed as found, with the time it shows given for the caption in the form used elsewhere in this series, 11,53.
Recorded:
7,56
